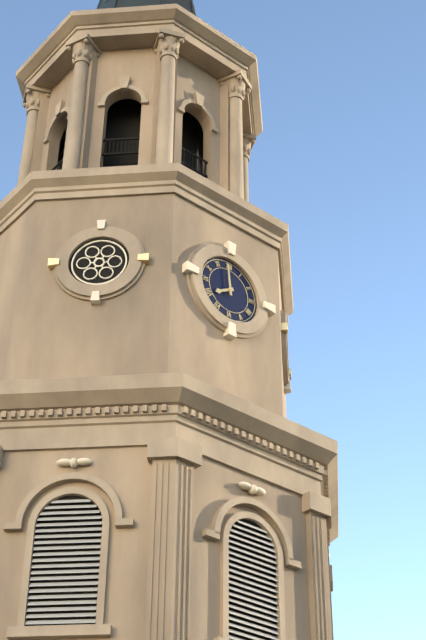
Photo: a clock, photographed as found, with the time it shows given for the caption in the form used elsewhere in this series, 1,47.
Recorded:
7,59
